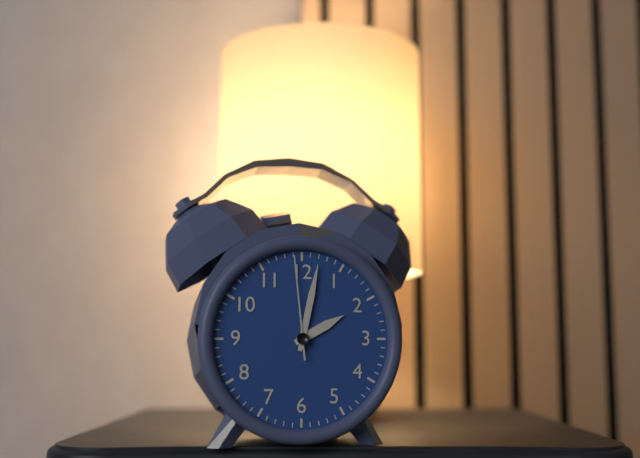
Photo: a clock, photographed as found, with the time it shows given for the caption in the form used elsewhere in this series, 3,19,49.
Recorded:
2,02,59
